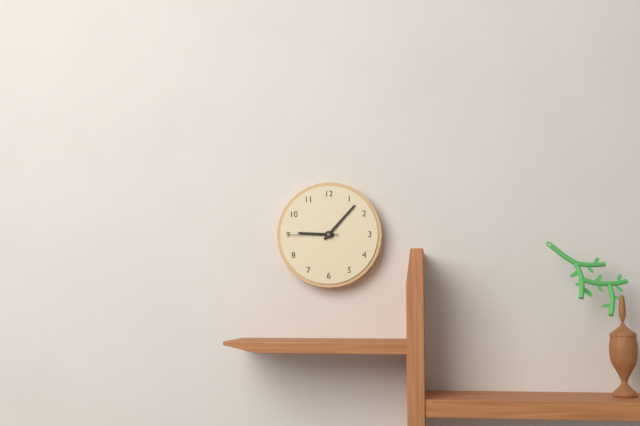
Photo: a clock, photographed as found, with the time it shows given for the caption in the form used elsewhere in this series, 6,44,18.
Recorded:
9,07,45
